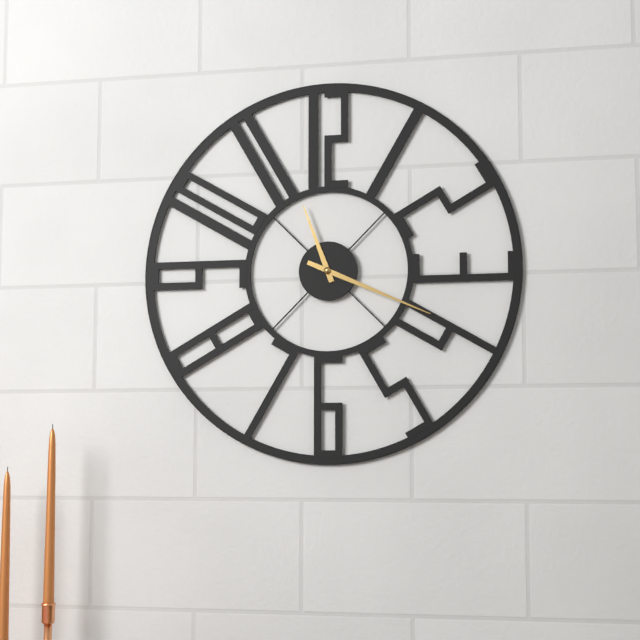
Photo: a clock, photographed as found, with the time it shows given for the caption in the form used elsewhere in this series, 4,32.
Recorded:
11,19
